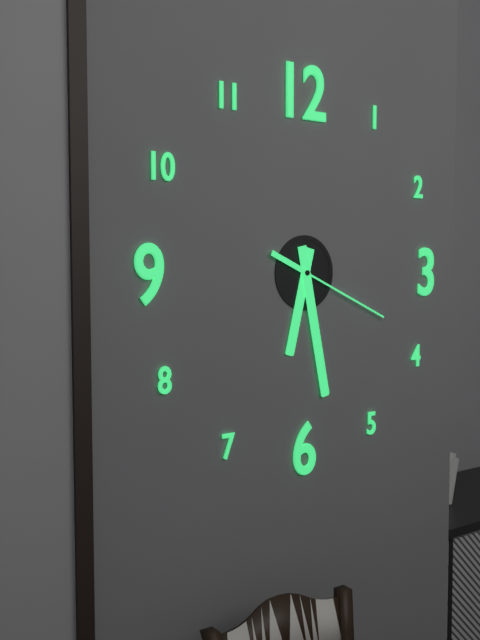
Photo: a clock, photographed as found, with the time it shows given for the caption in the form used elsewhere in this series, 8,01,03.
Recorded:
6,28,19
